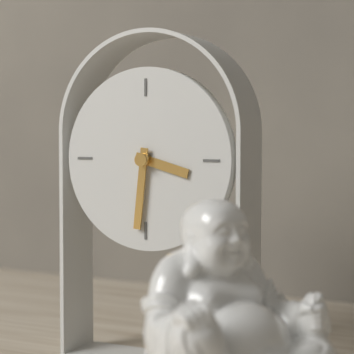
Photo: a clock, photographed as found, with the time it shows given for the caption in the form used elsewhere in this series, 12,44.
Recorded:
3,31
